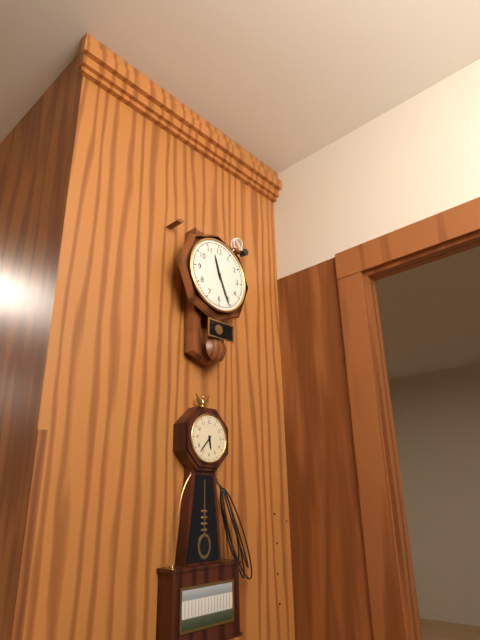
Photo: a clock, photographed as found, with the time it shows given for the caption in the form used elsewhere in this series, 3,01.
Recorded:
11,26
